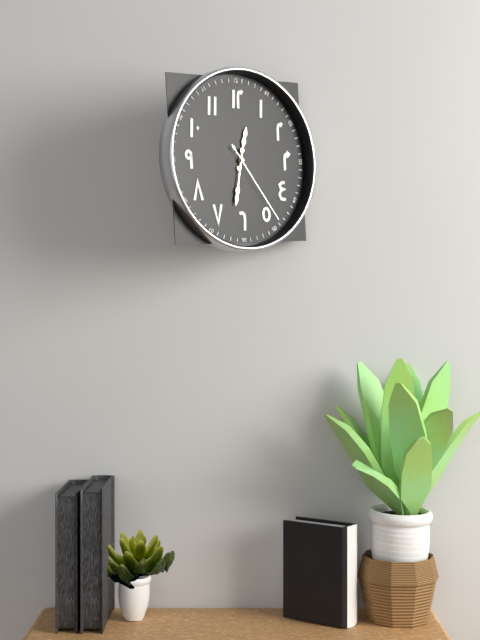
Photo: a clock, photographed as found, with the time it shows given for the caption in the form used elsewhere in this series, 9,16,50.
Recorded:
12,32,24
